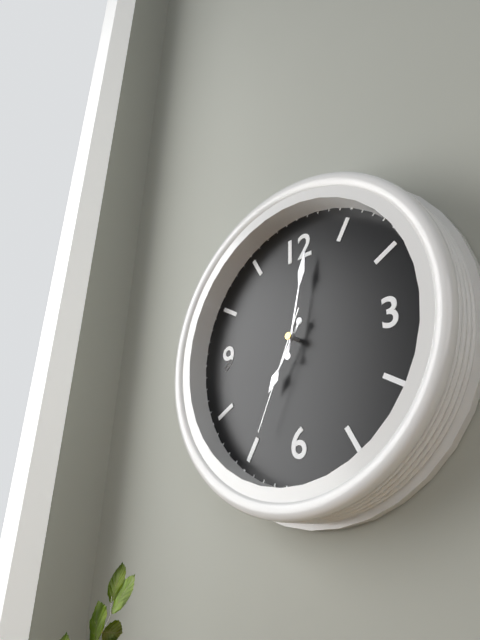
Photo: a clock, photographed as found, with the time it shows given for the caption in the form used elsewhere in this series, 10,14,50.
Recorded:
7,02,34
